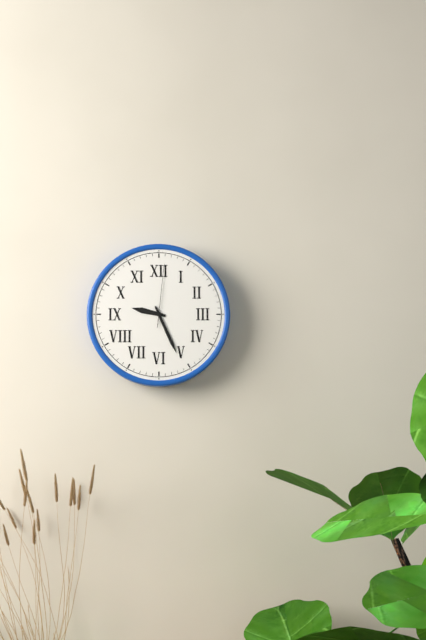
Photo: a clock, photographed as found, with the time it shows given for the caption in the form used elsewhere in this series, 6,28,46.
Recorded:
9,26,01
